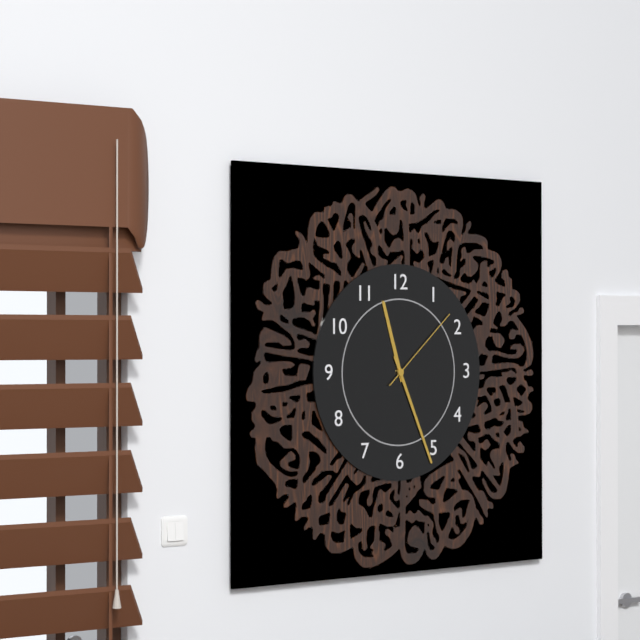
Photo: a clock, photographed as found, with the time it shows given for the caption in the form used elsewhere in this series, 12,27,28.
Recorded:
11,26,08
